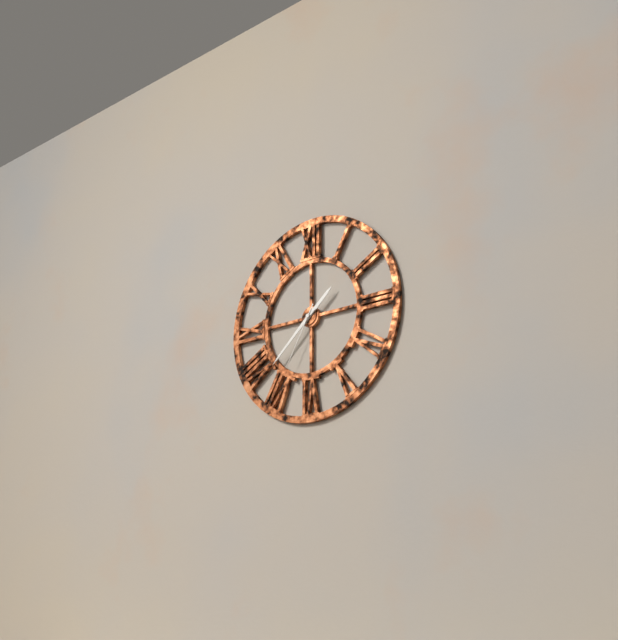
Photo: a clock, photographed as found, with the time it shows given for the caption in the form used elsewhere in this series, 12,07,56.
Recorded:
1,38,35
